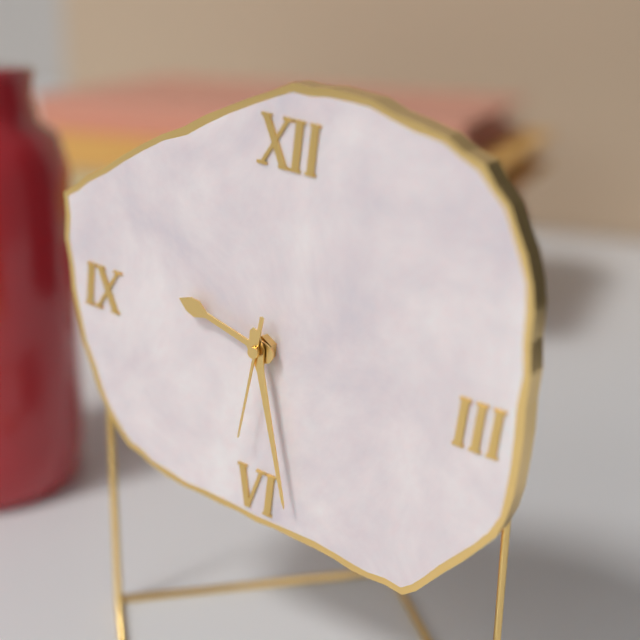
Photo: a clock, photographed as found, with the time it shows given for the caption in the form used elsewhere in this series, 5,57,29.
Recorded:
9,27,31
